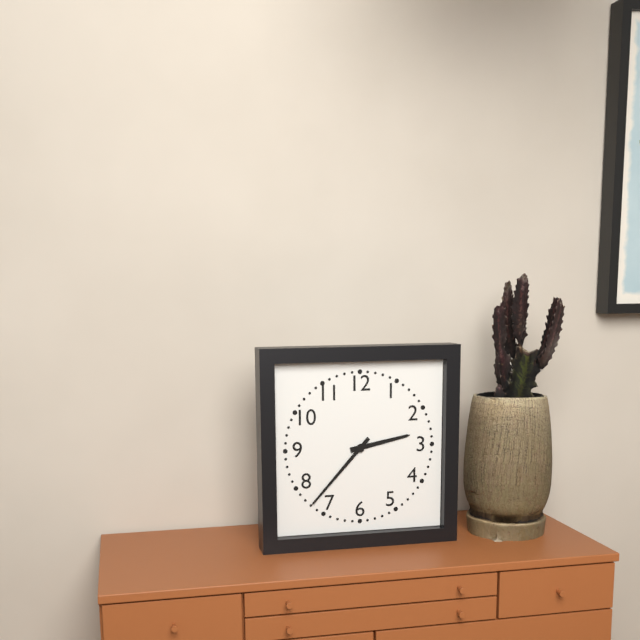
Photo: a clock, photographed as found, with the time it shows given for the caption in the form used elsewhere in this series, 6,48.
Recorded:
2,37
